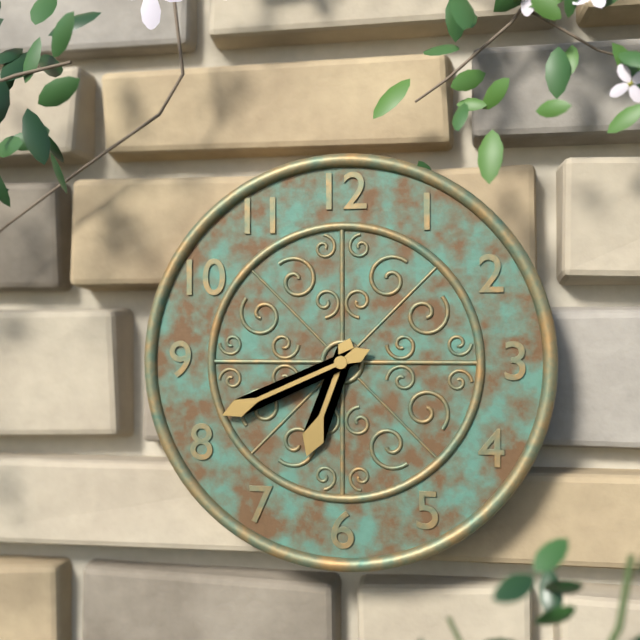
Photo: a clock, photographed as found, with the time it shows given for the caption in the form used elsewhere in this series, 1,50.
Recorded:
6,41
